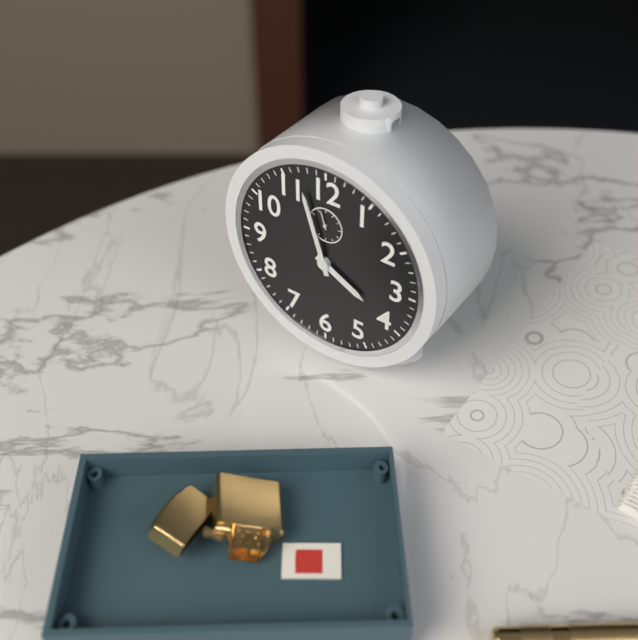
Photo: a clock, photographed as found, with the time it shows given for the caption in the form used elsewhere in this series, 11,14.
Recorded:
3,57
